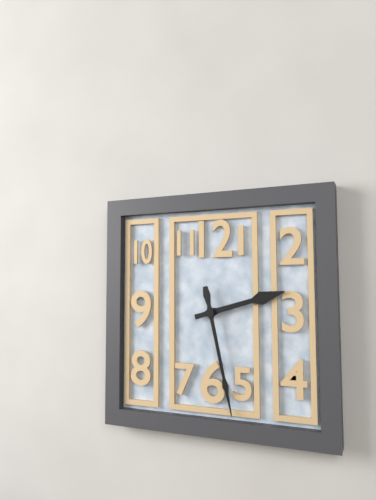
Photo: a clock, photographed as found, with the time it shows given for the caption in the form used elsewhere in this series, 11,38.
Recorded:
2,28
